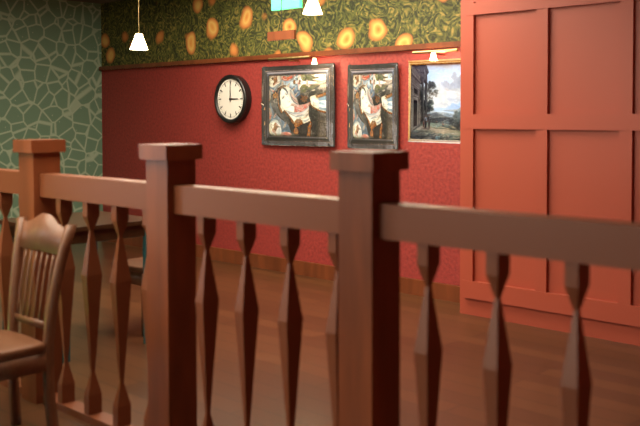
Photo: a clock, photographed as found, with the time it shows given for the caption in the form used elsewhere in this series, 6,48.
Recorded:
3,00
